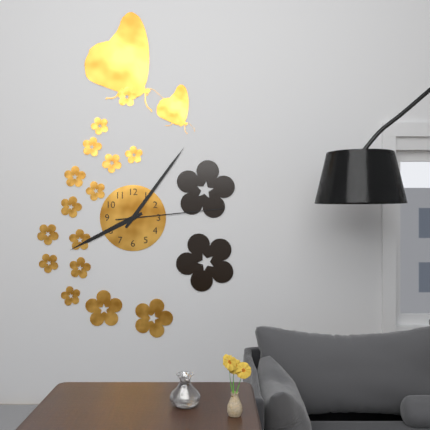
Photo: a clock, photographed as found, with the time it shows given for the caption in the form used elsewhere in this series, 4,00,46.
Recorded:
8,06,14
